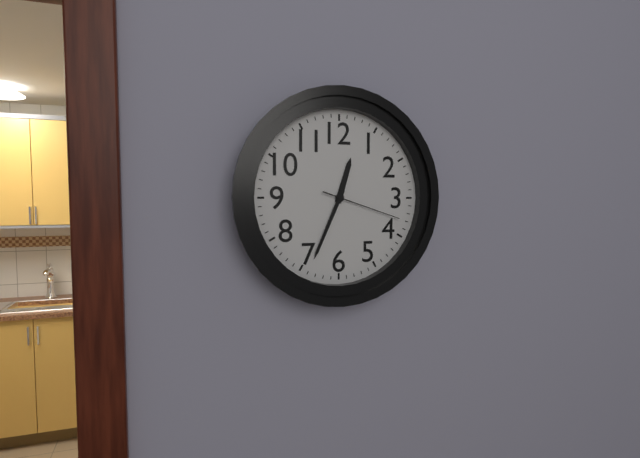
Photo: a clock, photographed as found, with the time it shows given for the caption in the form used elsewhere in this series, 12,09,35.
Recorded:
12,34,18
